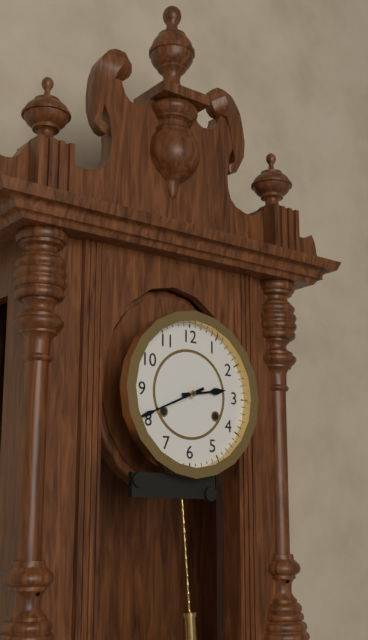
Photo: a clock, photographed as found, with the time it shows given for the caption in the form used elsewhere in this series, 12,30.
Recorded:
2,41
